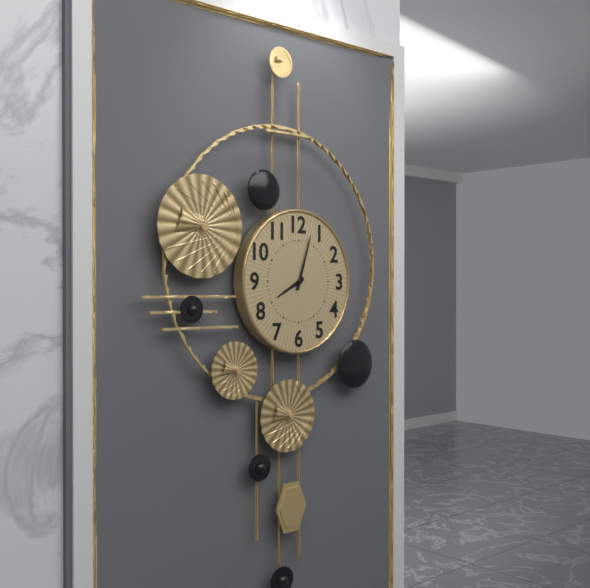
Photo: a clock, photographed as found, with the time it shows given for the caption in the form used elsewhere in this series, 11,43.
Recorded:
8,03
